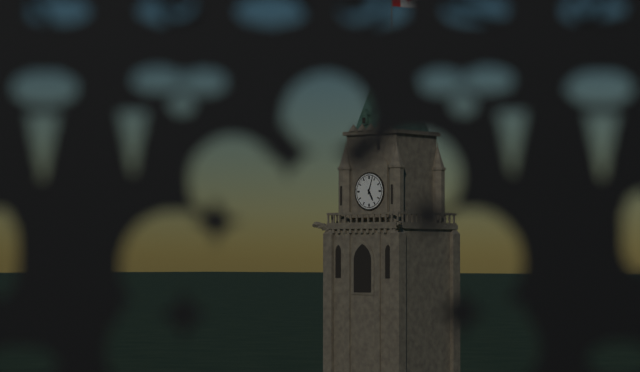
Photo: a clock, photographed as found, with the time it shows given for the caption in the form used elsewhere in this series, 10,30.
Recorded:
5,03
